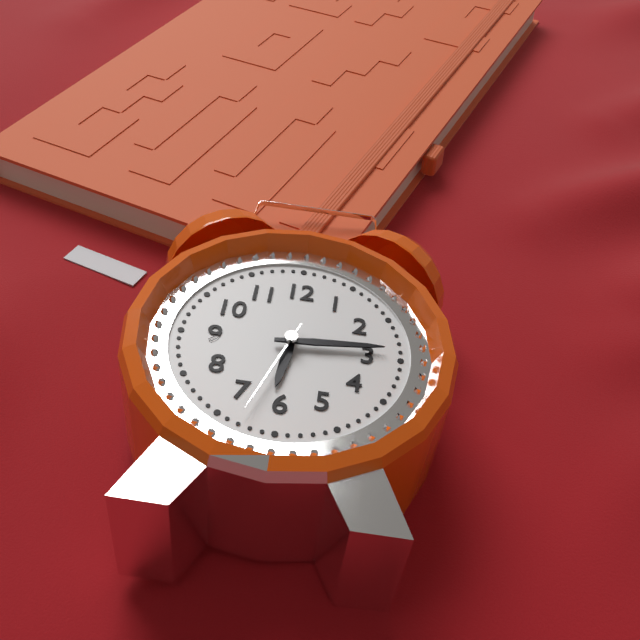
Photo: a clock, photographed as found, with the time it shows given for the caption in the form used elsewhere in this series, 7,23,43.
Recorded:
6,14,33
